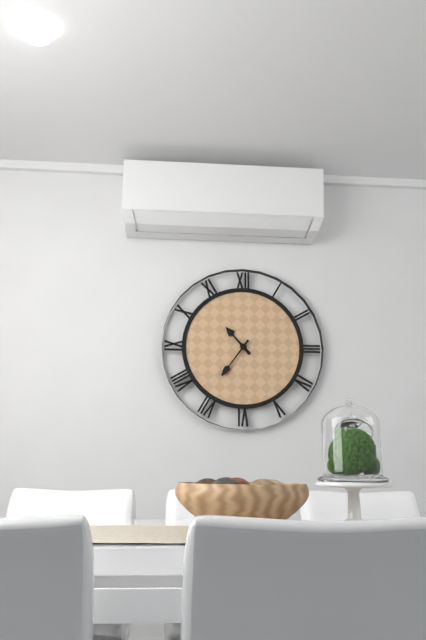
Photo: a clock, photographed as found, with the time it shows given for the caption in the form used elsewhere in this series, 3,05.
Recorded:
10,36
